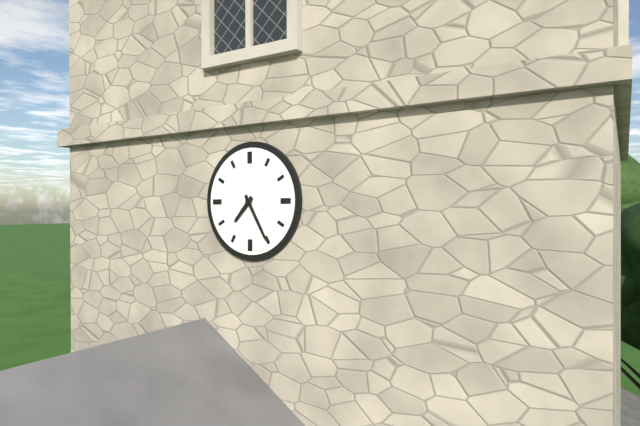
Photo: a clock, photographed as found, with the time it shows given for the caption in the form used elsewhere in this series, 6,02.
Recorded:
7,25
